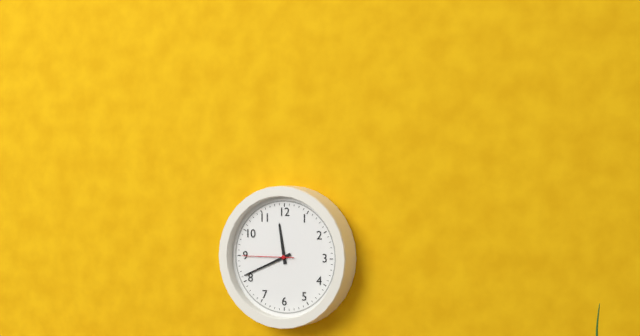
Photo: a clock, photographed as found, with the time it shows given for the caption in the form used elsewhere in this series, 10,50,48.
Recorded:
11,41,45
